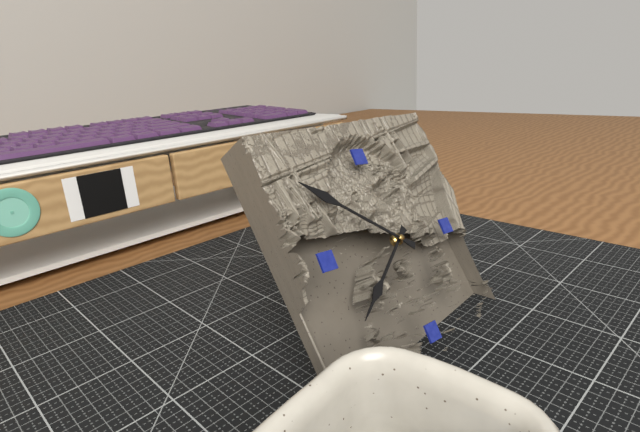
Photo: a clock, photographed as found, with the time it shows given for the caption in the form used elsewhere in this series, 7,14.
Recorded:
7,51
